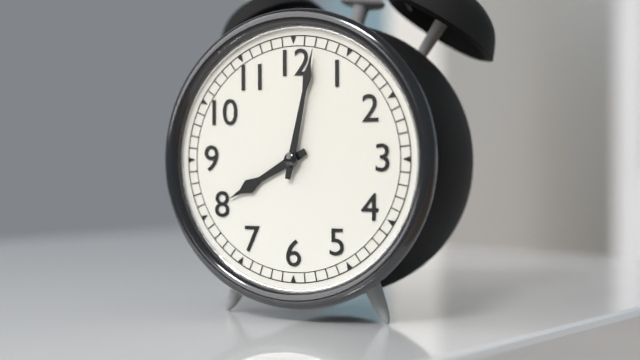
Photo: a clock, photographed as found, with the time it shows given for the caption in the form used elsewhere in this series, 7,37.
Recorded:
8,02
